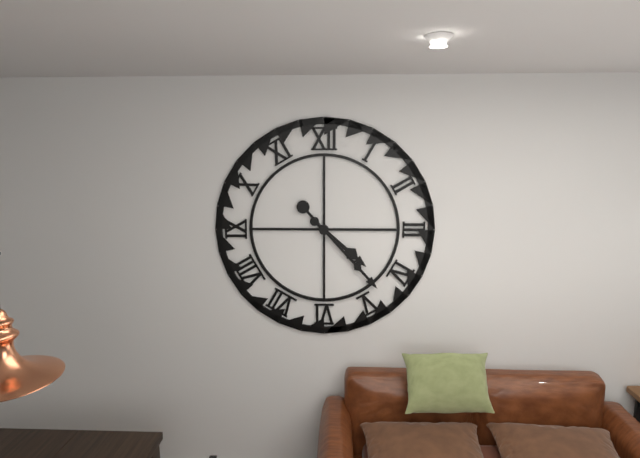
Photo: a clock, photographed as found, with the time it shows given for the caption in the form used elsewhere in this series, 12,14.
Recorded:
4,23
